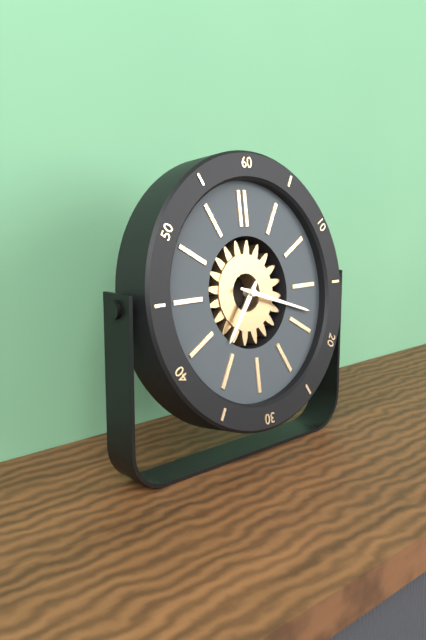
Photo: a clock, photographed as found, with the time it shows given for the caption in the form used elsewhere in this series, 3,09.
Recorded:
7,18
